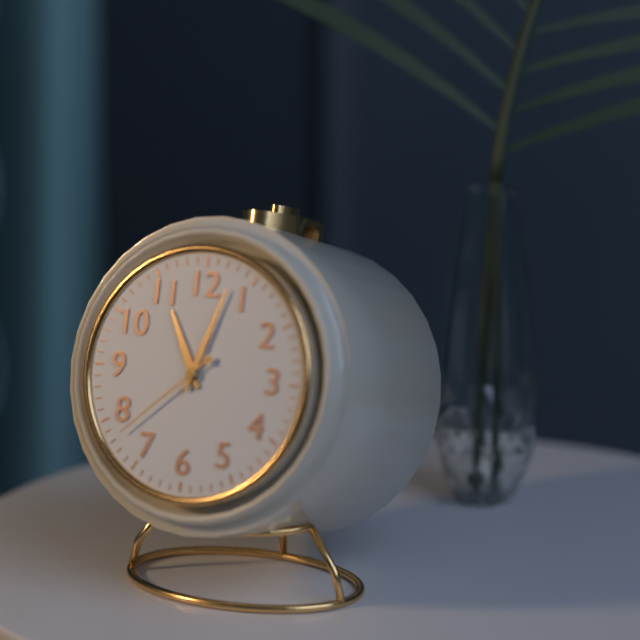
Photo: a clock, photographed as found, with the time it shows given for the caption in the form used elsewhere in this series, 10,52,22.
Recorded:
11,03,38
